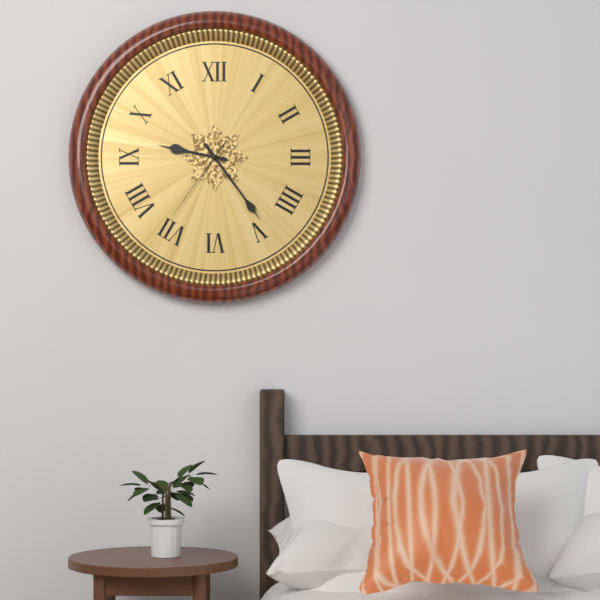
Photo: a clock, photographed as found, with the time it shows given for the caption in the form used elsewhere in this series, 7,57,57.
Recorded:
9,24,36
